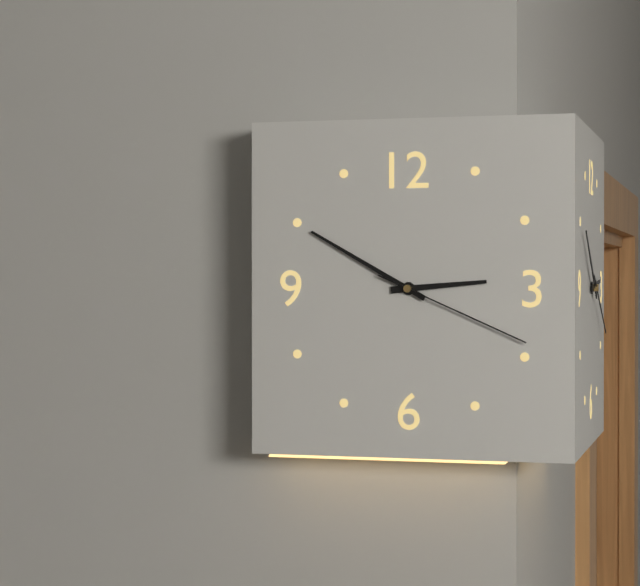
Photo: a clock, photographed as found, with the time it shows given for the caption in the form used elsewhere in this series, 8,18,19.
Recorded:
2,50,19
